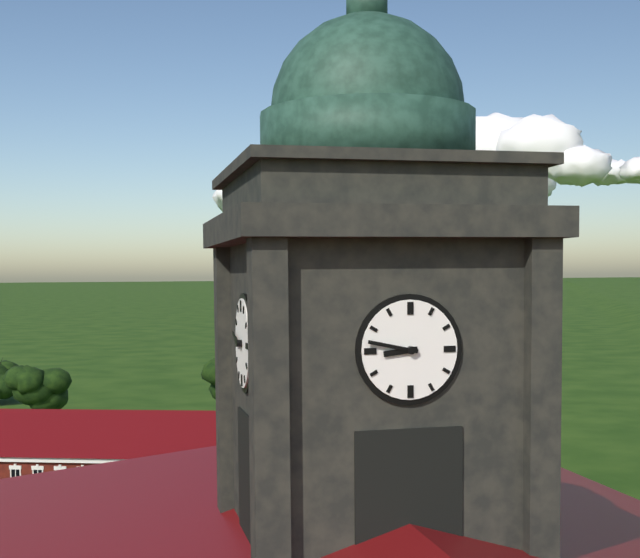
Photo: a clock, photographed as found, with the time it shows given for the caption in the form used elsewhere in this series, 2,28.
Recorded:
8,47
